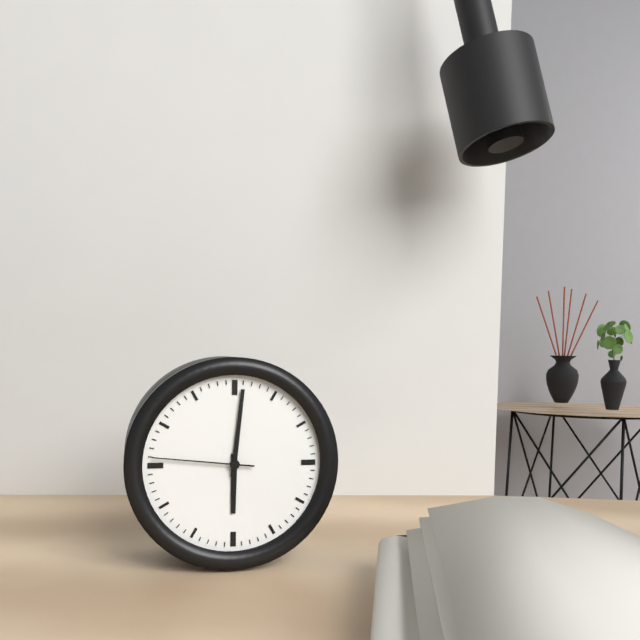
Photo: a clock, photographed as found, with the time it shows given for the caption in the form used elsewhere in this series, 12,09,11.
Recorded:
6,01,46
